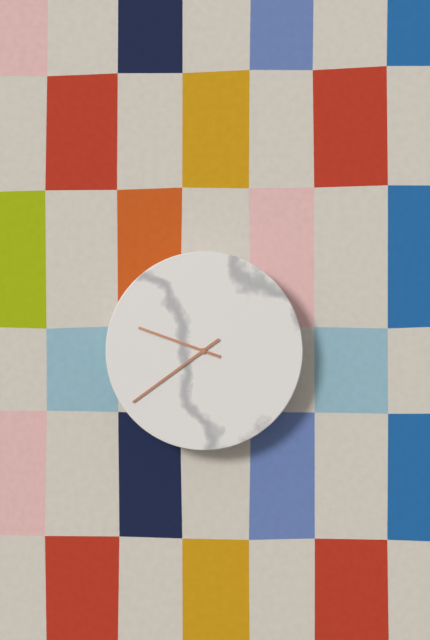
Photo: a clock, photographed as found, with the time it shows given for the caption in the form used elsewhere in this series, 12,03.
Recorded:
9,39
